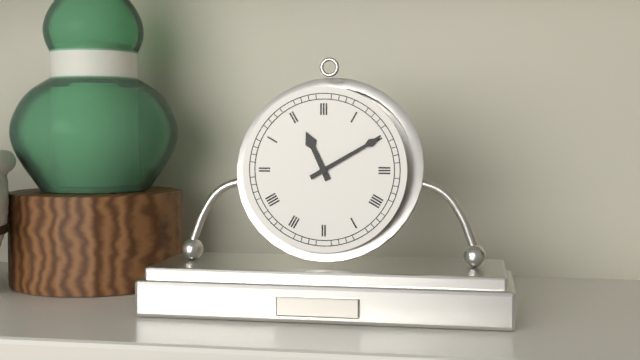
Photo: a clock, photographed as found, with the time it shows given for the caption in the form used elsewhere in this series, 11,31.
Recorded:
11,10
